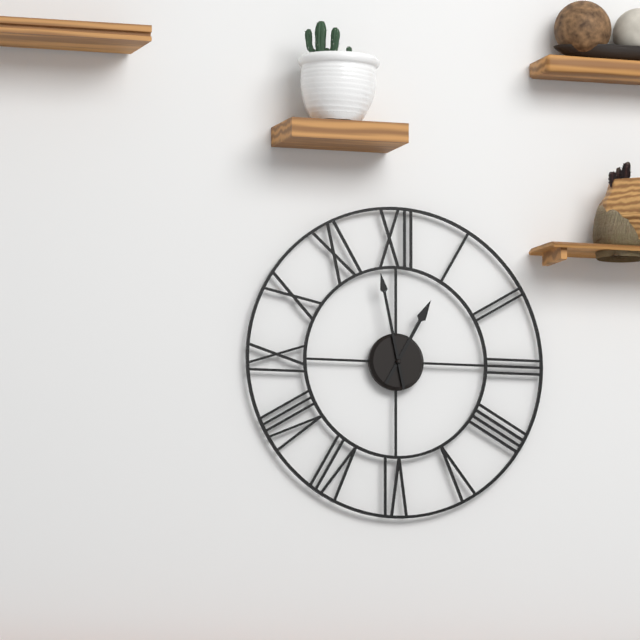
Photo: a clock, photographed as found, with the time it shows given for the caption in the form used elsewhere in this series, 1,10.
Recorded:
12,58
